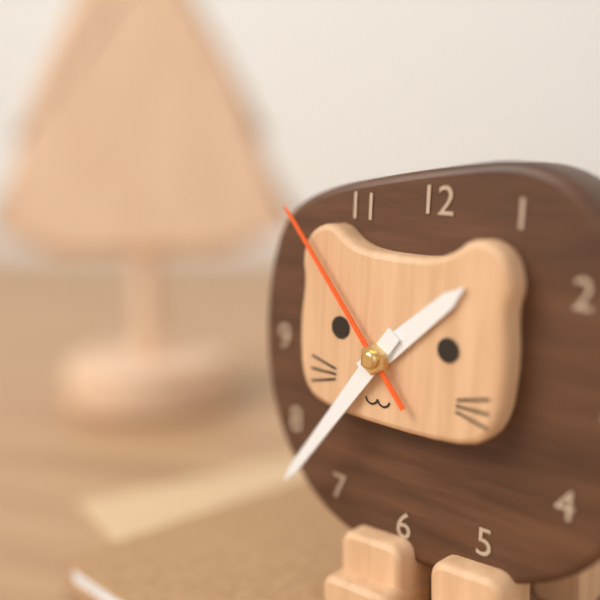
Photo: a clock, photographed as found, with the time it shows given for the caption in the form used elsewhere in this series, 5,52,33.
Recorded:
1,36,53
